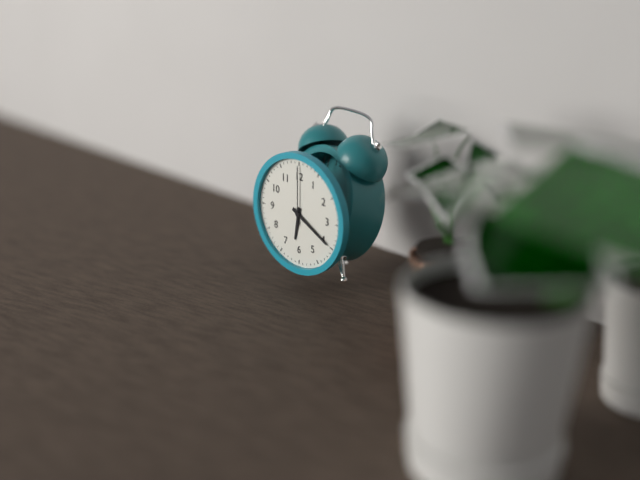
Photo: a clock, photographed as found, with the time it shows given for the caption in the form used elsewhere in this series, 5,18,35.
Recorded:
6,20,00
